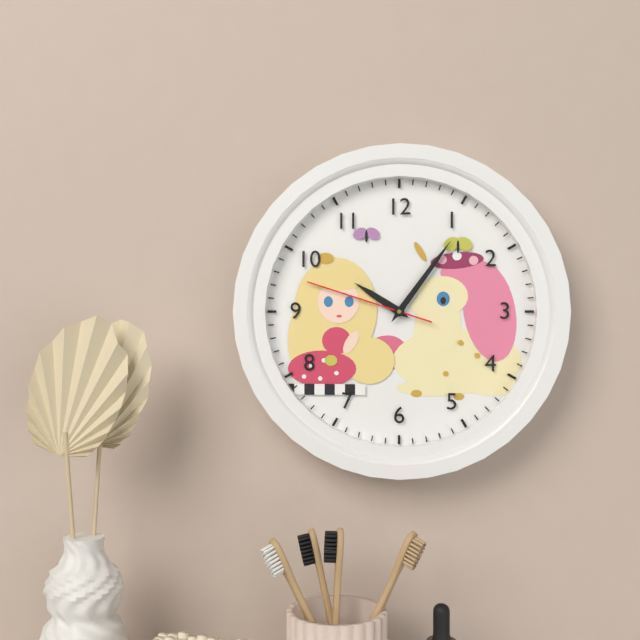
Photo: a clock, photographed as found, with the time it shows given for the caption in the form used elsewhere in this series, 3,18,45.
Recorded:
10,06,48
